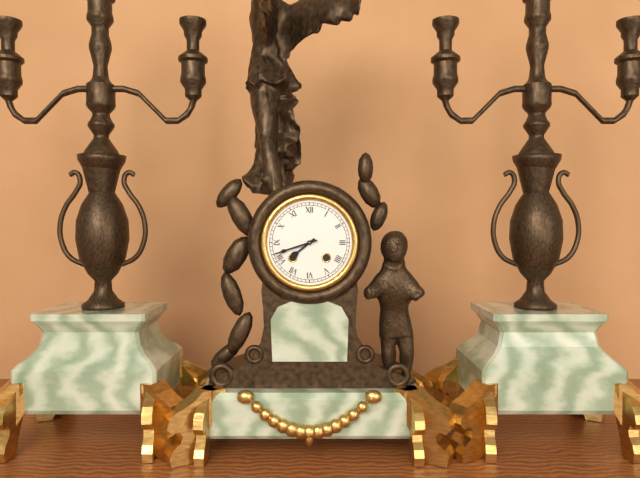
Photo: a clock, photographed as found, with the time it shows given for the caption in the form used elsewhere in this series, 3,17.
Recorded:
7,42
